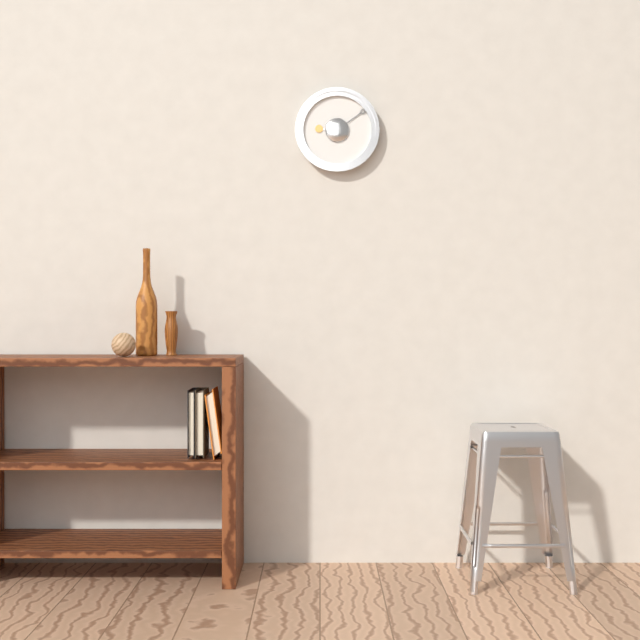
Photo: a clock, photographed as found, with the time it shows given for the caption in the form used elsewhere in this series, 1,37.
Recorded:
9,09
